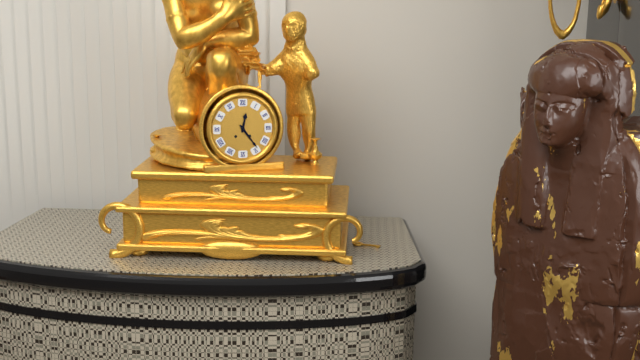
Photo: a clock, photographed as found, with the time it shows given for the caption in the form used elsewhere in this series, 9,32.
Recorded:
12,24
